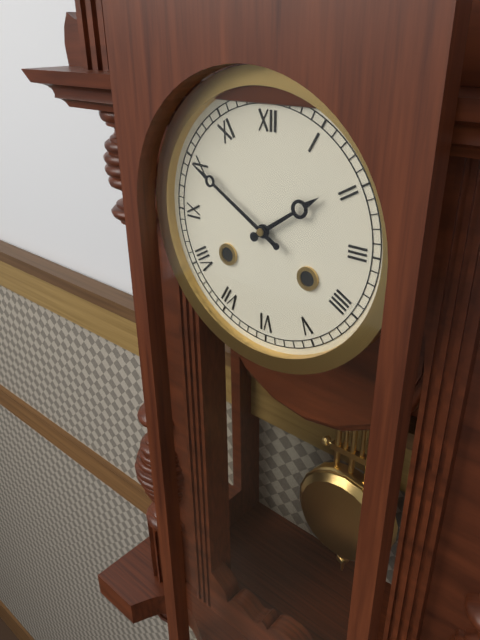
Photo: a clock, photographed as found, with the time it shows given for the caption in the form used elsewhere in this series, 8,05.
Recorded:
1,50
